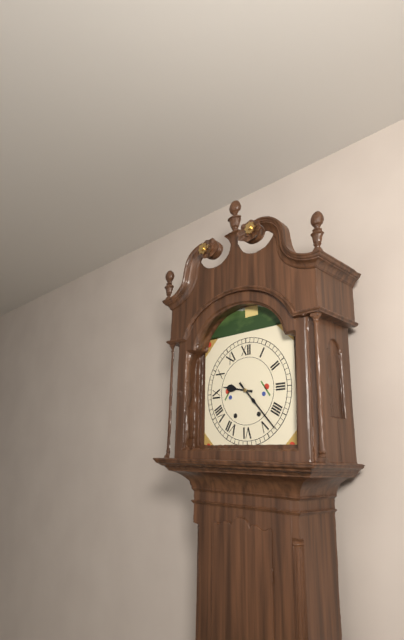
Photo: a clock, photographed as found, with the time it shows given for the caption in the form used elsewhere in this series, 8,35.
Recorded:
9,23
